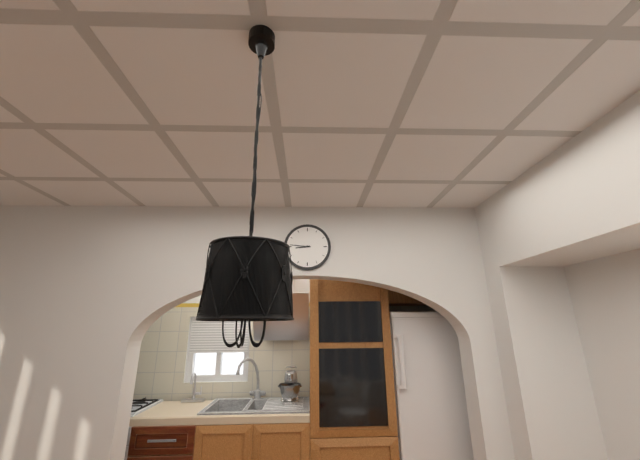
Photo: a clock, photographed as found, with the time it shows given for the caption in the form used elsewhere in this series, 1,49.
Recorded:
8,46
